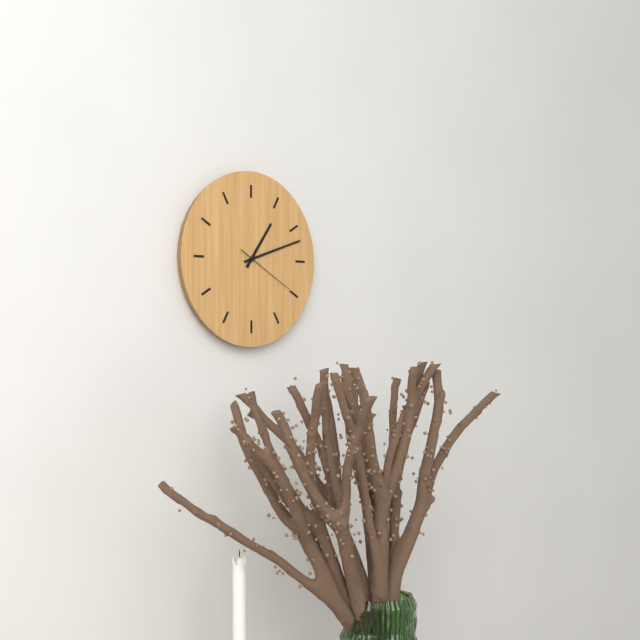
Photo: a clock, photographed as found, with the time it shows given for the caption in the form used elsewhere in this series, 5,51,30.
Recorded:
1,12,20
